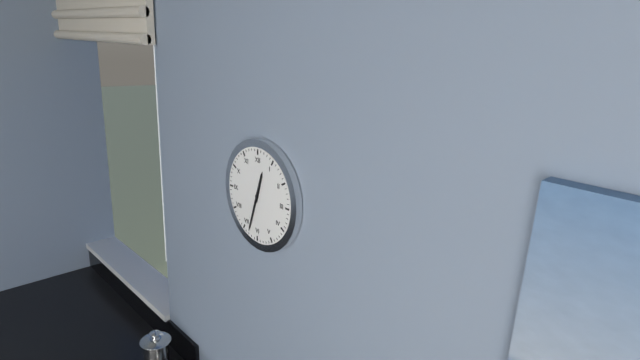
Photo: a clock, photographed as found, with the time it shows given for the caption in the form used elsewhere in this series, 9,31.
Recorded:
12,33
